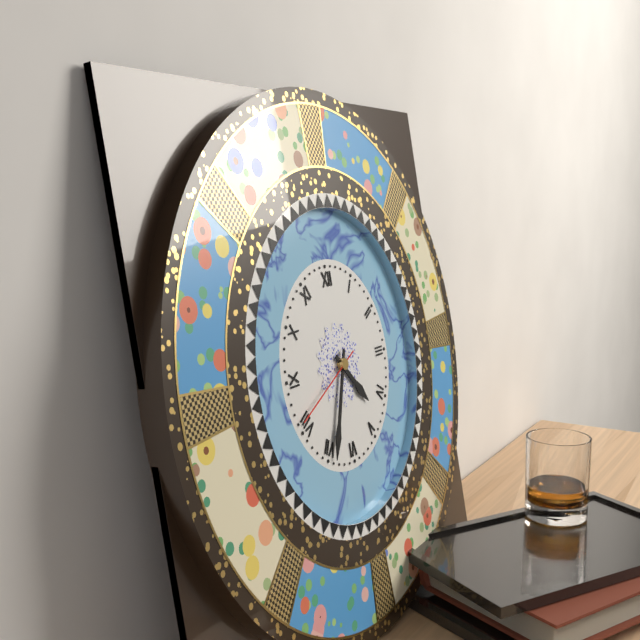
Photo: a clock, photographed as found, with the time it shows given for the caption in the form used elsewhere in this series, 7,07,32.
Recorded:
4,34,41
